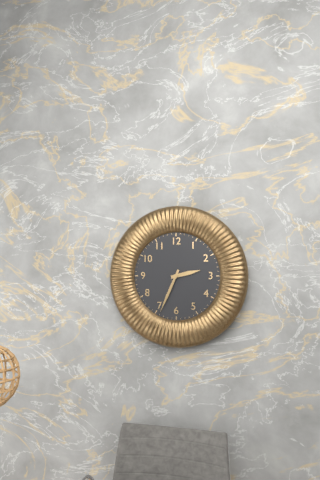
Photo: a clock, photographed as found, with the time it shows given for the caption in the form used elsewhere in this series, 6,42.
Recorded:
2,34
